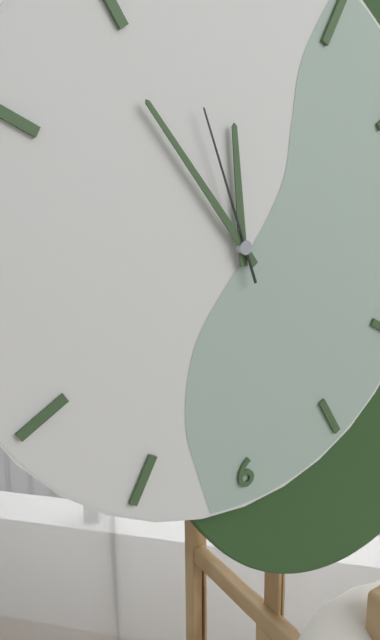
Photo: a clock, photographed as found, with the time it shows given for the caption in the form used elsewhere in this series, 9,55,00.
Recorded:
11,54,57
